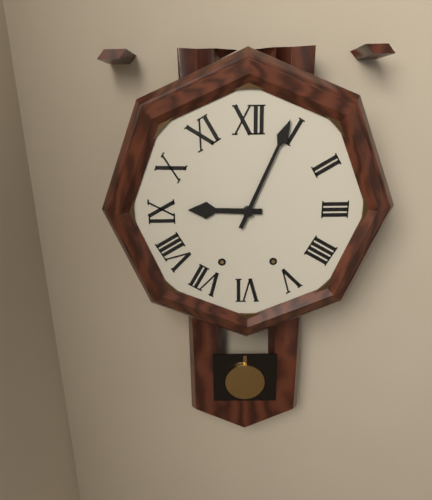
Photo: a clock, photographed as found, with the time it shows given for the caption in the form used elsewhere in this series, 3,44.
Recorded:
9,04
